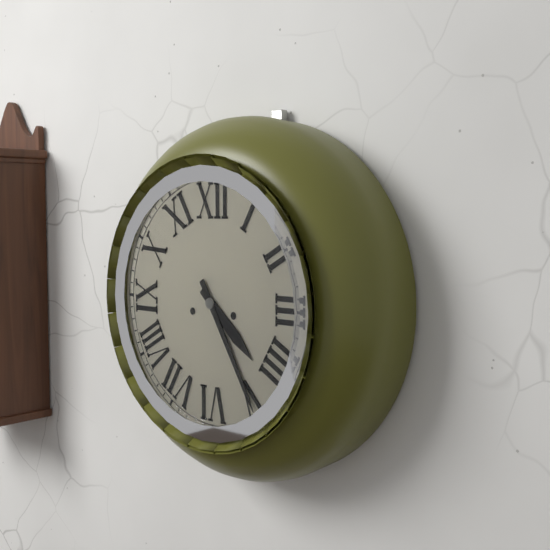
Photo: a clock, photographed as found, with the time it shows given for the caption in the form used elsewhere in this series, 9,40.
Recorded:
4,25
